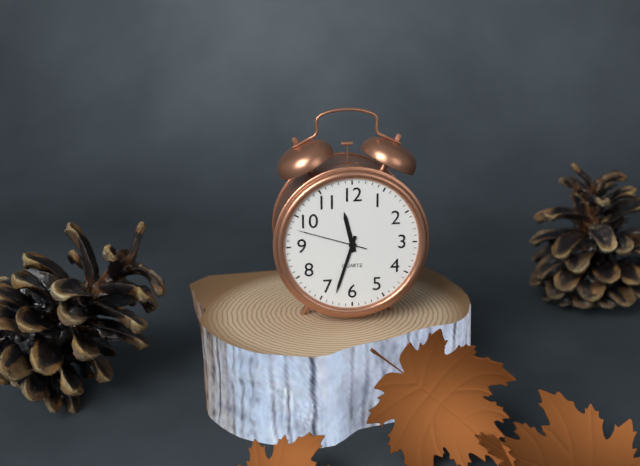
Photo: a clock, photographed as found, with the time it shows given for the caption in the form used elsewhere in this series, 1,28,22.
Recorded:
11,33,48
